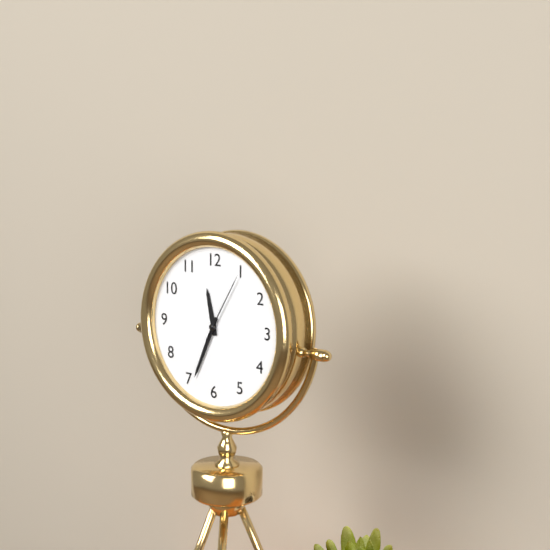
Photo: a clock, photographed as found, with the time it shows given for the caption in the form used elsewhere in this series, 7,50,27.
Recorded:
11,34,05
